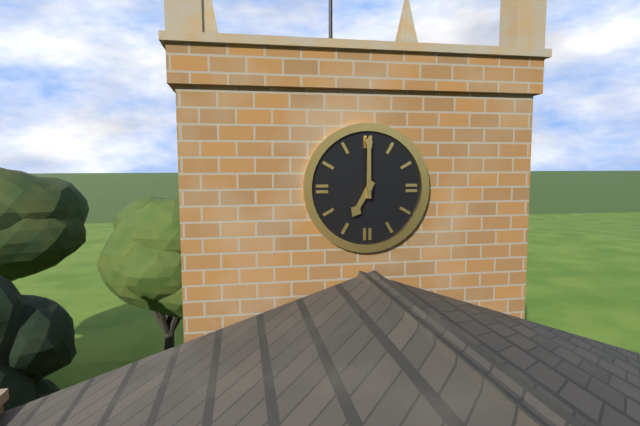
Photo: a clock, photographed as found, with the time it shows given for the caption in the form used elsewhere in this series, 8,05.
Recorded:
7,00
